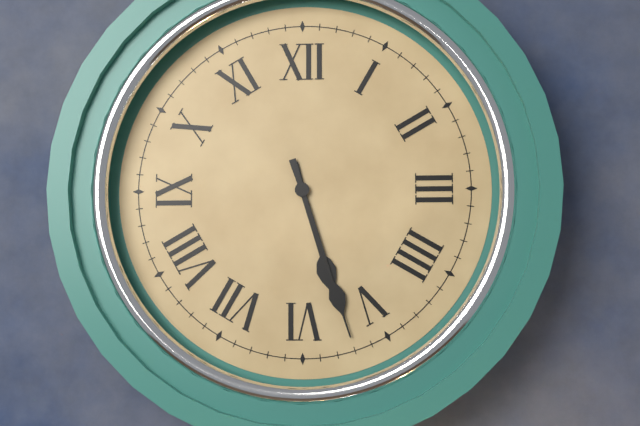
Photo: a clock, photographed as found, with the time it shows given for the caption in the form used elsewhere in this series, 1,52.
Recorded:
5,27
